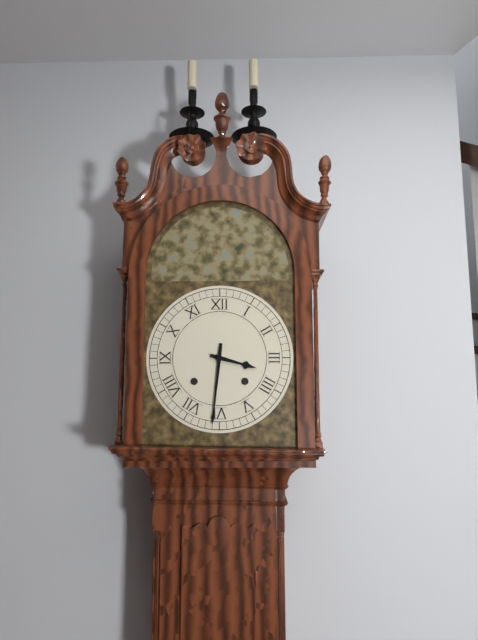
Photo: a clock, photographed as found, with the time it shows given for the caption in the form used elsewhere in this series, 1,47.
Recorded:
3,31
